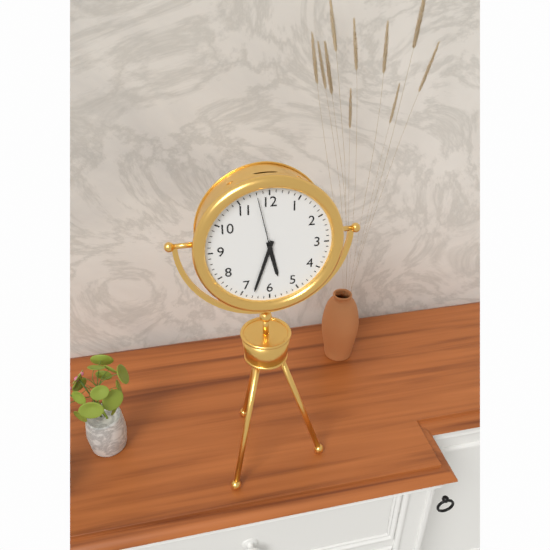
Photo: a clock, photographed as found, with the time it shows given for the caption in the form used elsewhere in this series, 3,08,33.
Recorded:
5,33,58
